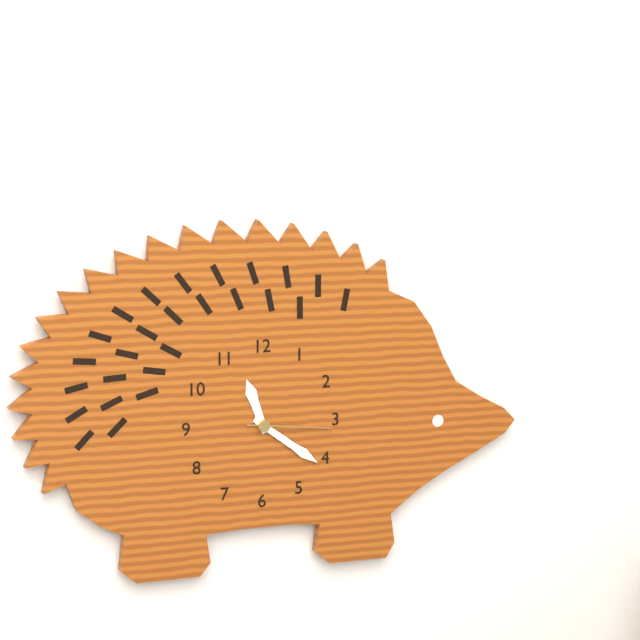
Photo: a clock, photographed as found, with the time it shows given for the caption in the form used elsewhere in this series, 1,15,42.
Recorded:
11,21,16
